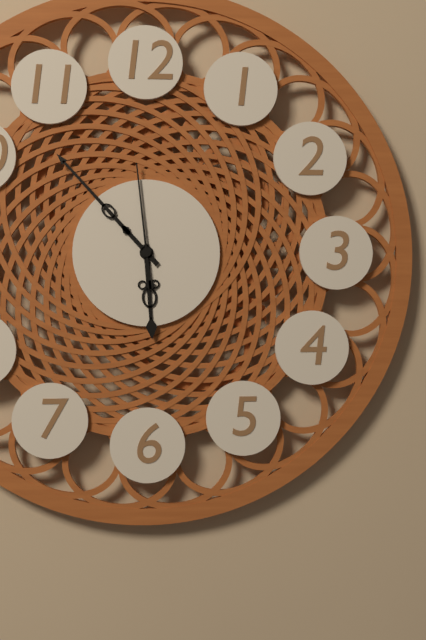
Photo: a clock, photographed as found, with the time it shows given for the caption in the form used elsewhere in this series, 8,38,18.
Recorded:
5,53,59
